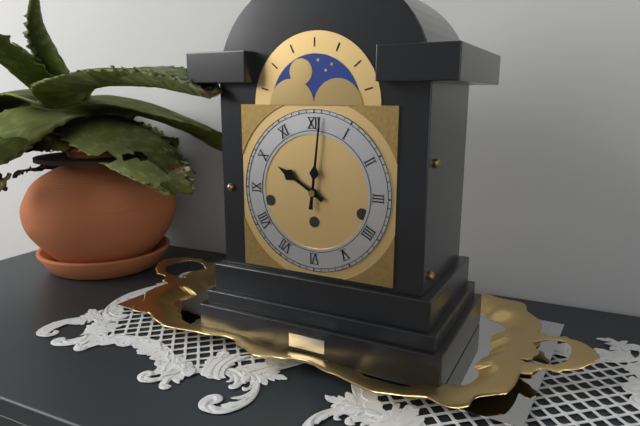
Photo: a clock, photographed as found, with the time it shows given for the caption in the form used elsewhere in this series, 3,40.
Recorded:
10,01
